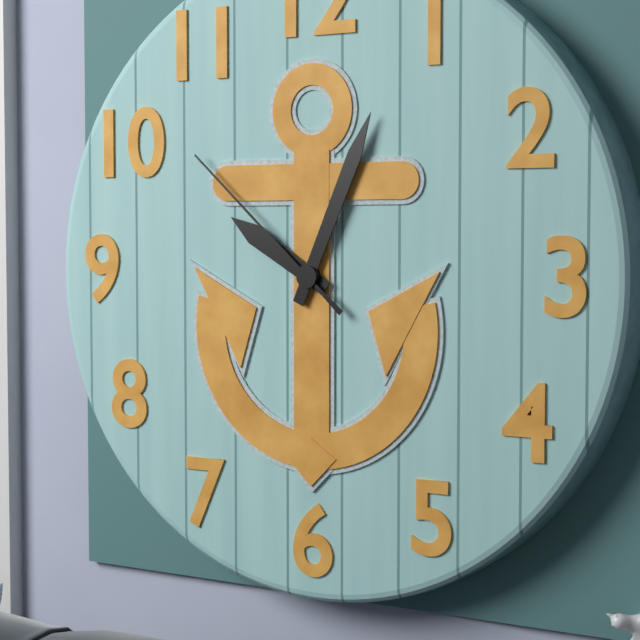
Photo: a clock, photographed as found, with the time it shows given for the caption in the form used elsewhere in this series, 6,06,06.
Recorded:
10,04,52
